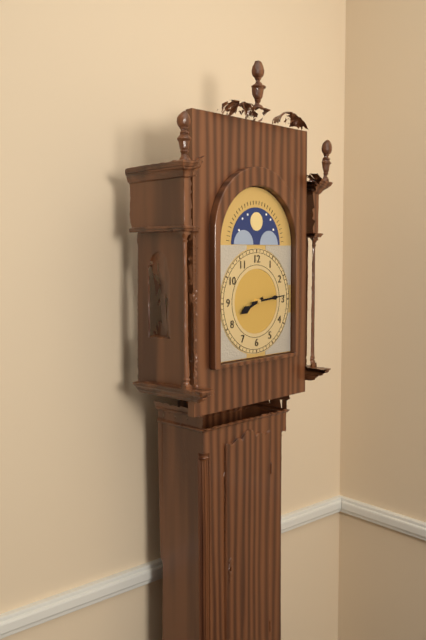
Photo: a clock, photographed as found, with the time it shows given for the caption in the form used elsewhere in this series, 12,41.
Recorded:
8,14
